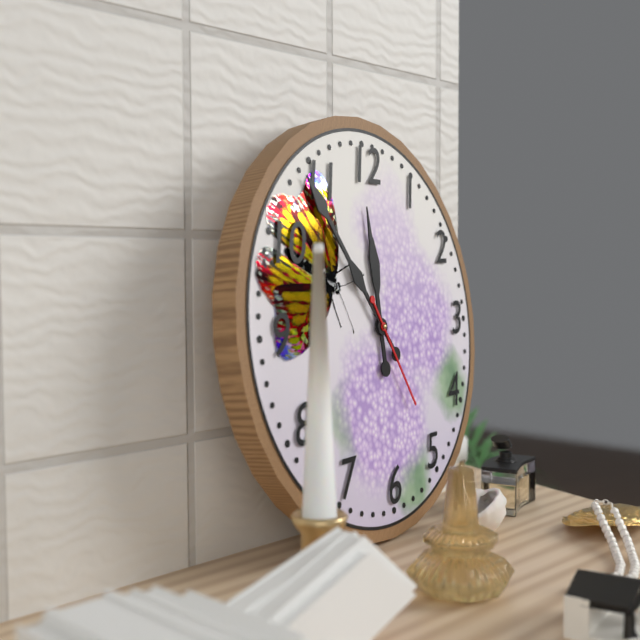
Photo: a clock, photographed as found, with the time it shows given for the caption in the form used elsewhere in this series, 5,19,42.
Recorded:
11,54,25
